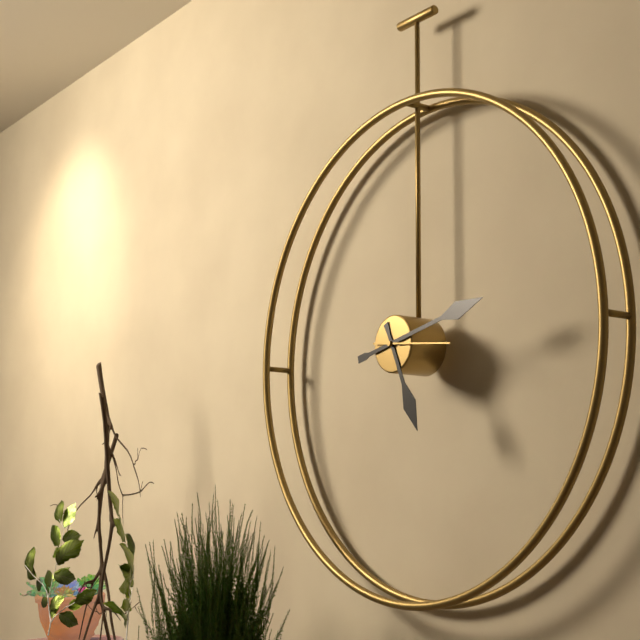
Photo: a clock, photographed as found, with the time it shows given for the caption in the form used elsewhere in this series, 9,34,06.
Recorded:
5,13,16
